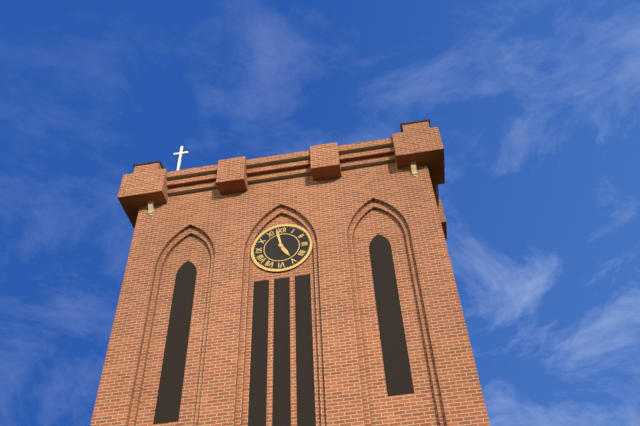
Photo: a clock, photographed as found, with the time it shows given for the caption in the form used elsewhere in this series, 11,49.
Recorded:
4,58
